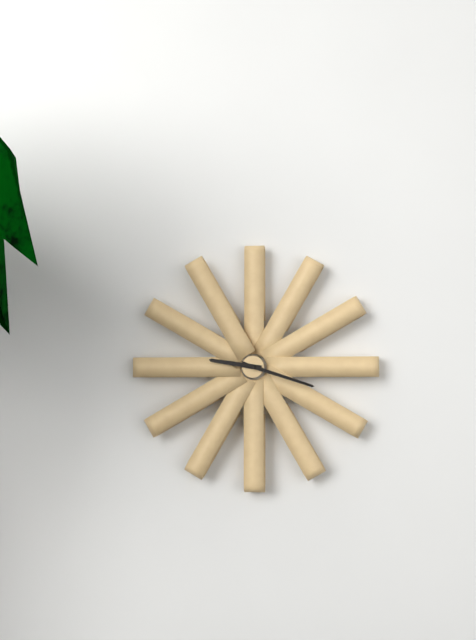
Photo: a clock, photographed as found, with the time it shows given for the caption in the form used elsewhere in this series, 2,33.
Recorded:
9,18
